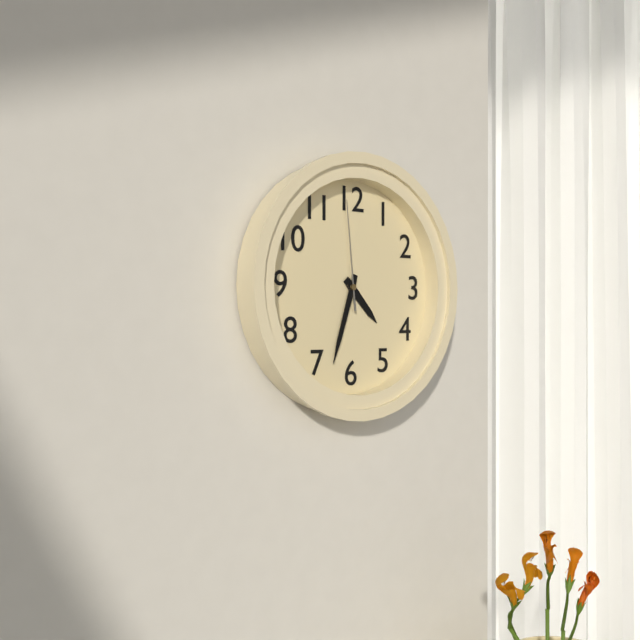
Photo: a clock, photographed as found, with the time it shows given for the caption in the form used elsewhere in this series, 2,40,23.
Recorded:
4,33,59
